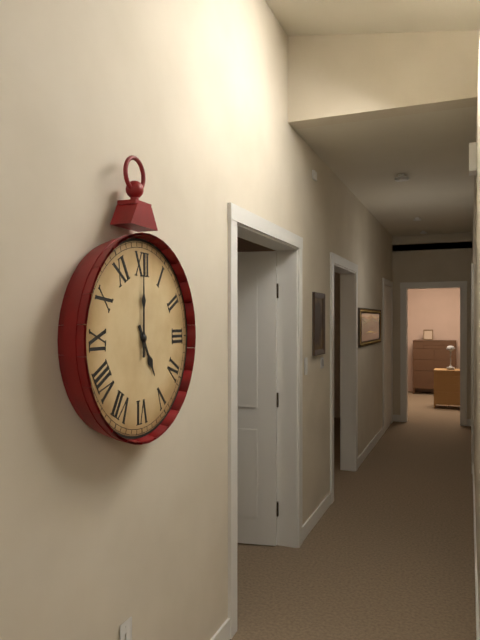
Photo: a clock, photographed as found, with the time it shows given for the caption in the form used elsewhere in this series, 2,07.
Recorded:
5,00
